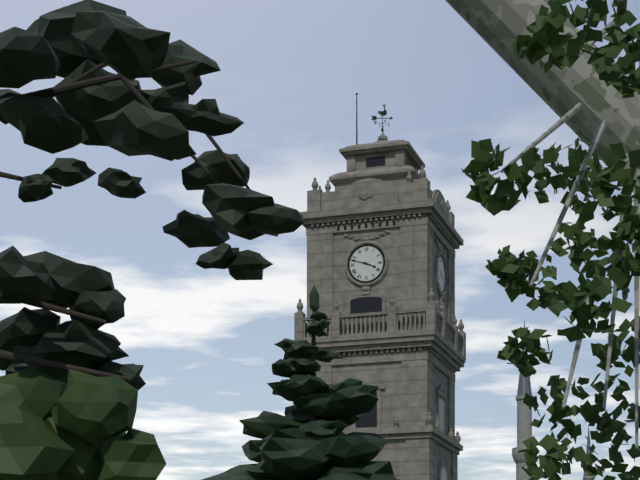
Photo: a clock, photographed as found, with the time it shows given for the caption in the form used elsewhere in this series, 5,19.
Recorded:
3,48
